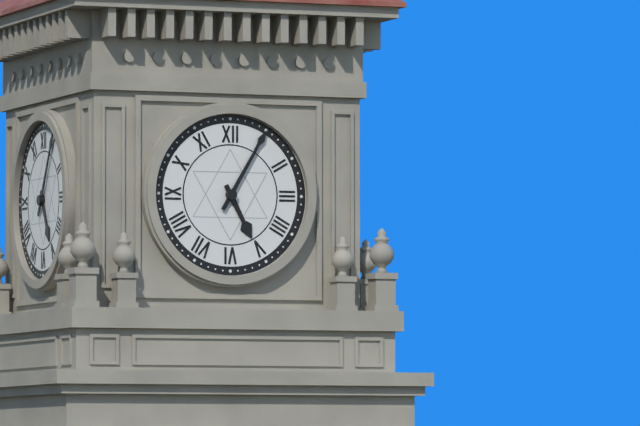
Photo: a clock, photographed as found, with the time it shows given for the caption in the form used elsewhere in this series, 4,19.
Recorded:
5,05
